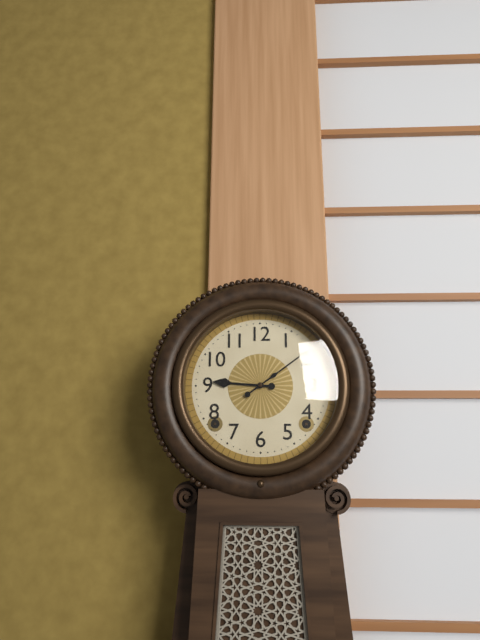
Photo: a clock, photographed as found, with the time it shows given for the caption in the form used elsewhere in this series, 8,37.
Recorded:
9,09
